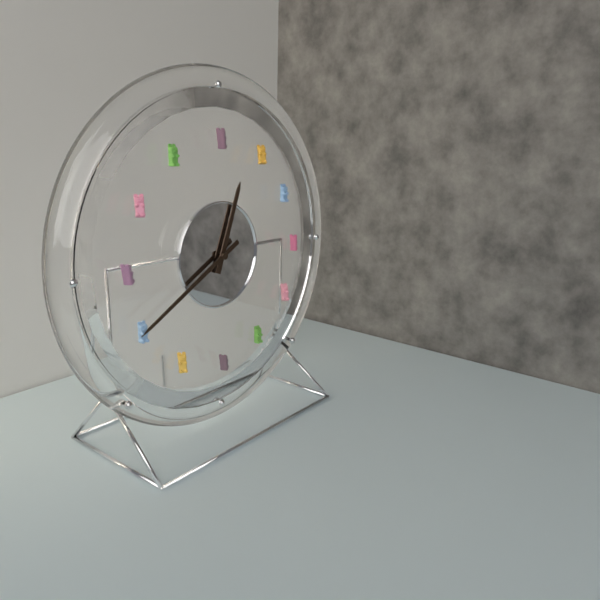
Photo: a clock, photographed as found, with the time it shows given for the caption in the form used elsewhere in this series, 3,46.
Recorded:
12,40
